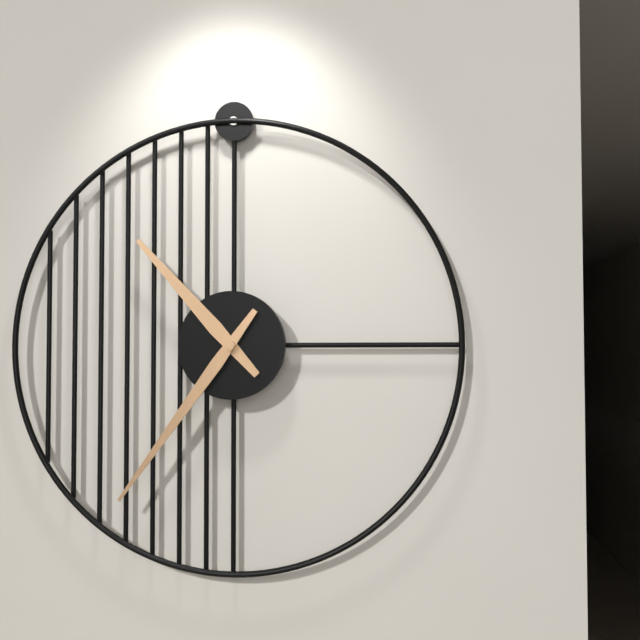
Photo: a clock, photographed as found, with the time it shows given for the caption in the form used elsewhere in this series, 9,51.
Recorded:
10,36
